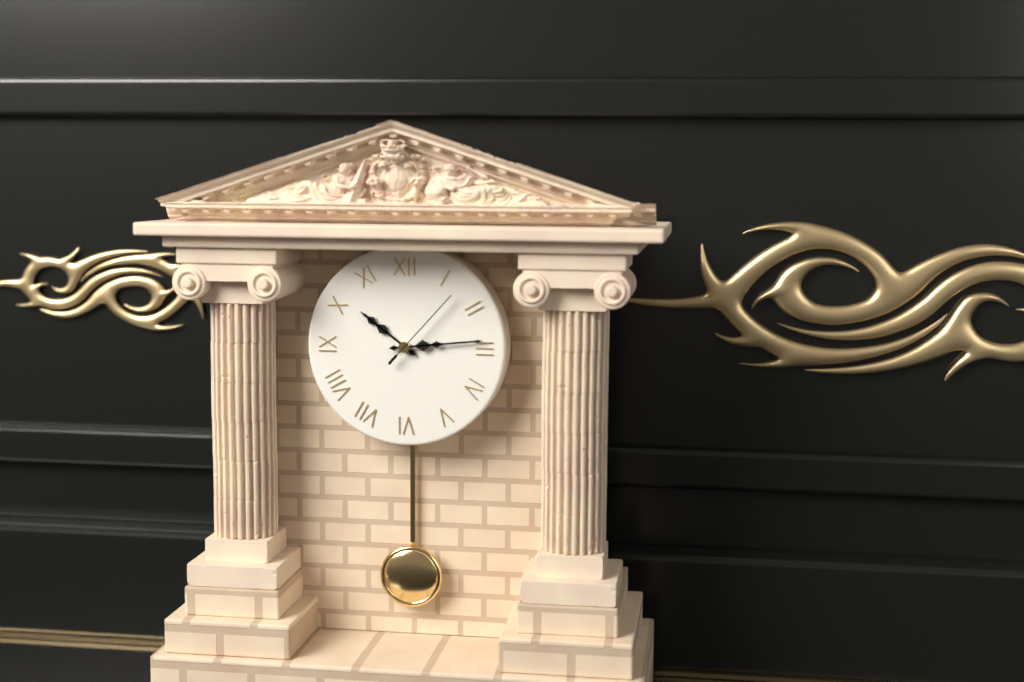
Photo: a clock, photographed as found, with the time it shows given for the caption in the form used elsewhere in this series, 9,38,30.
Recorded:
10,14,07
